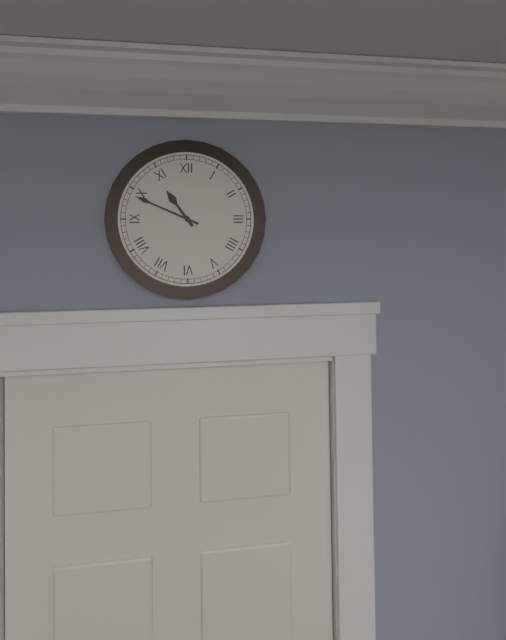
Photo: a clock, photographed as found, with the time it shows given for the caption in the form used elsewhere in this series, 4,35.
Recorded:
10,49
